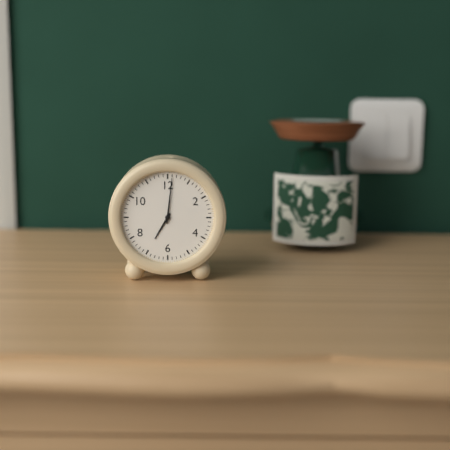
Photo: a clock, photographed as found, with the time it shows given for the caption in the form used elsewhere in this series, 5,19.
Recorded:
7,01
